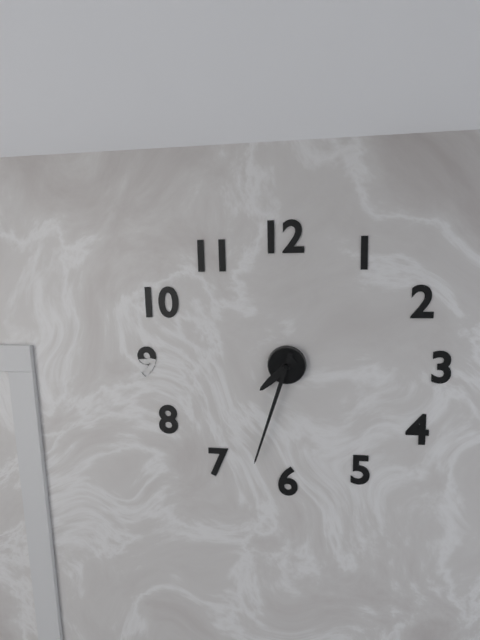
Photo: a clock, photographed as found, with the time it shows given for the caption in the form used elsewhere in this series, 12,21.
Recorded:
7,33
